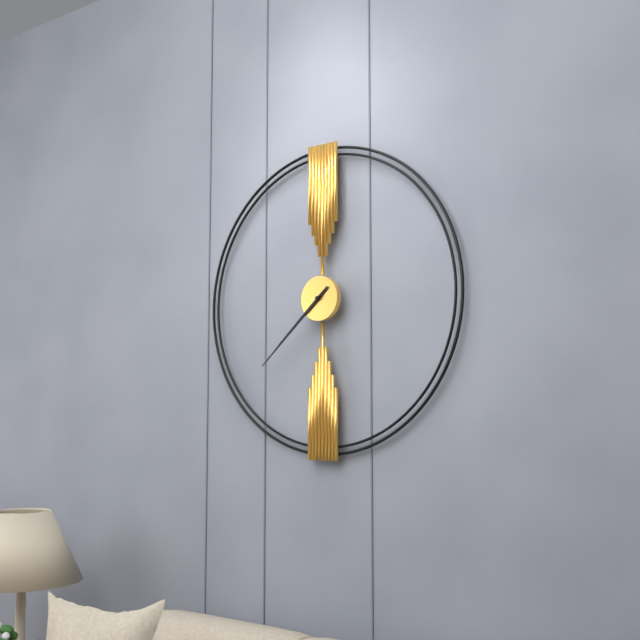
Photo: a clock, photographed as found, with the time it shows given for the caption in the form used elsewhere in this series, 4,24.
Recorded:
7,38
